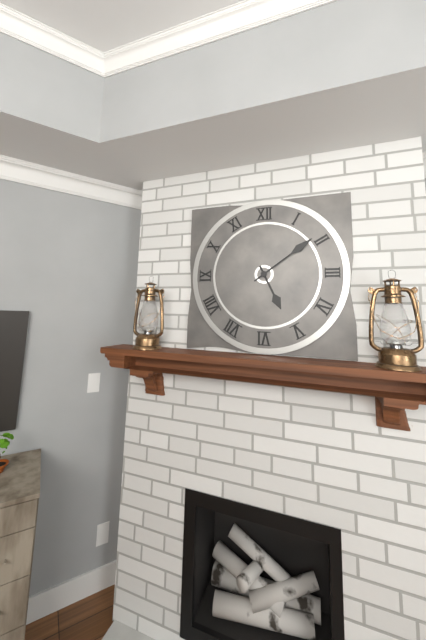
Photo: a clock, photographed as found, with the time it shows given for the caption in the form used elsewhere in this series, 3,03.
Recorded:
5,09
